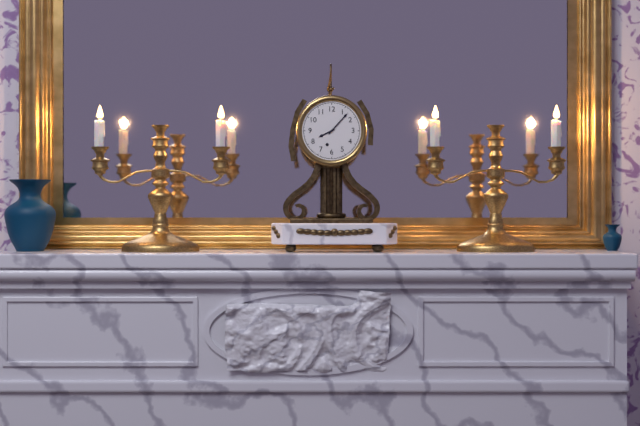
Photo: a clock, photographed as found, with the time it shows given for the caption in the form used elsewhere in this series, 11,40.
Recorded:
8,07
